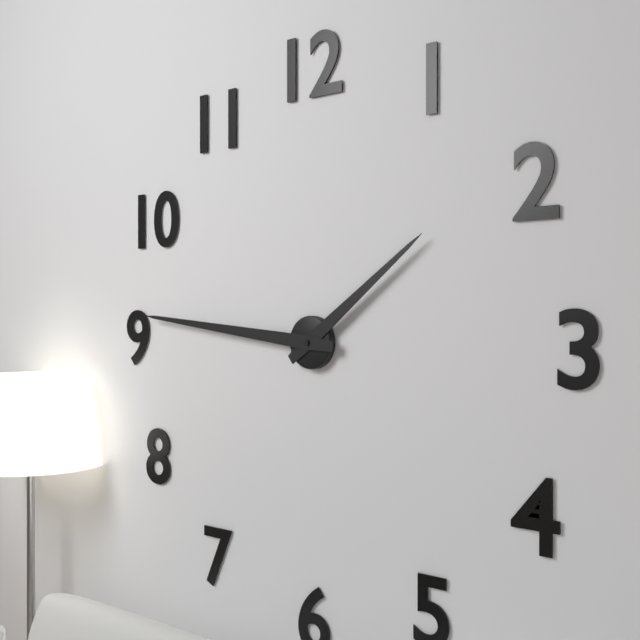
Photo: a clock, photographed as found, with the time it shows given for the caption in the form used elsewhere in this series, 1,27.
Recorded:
1,46
